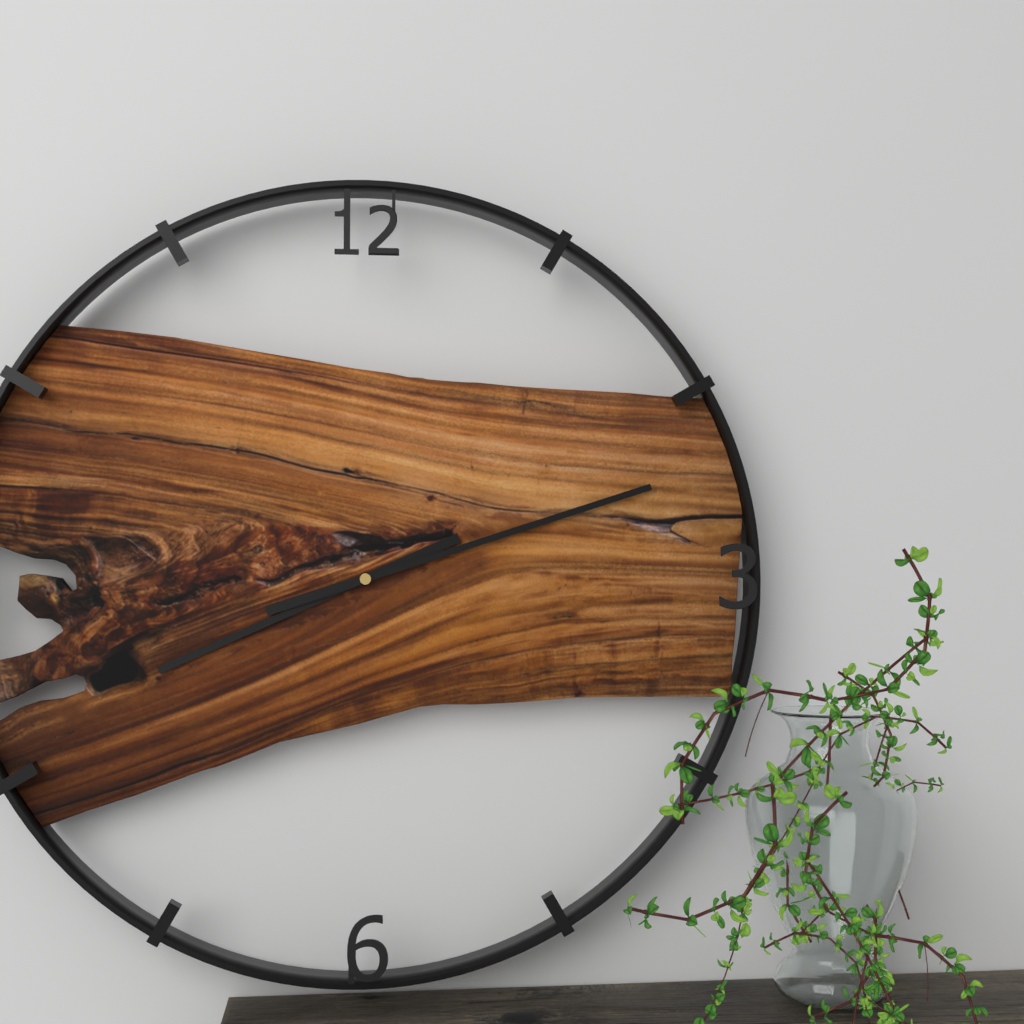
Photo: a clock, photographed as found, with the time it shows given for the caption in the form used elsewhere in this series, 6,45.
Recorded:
8,12
